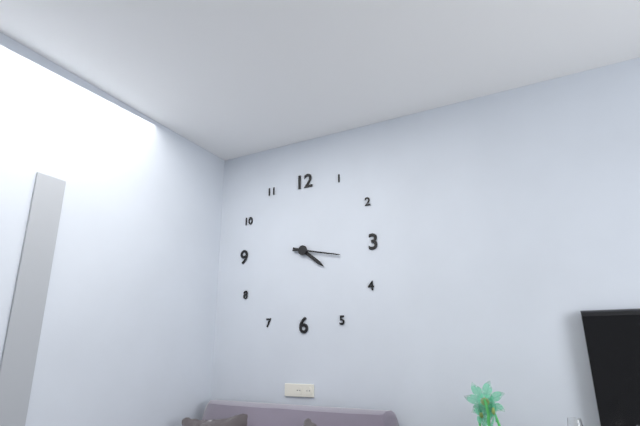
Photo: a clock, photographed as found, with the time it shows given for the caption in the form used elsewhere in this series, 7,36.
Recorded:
4,17
